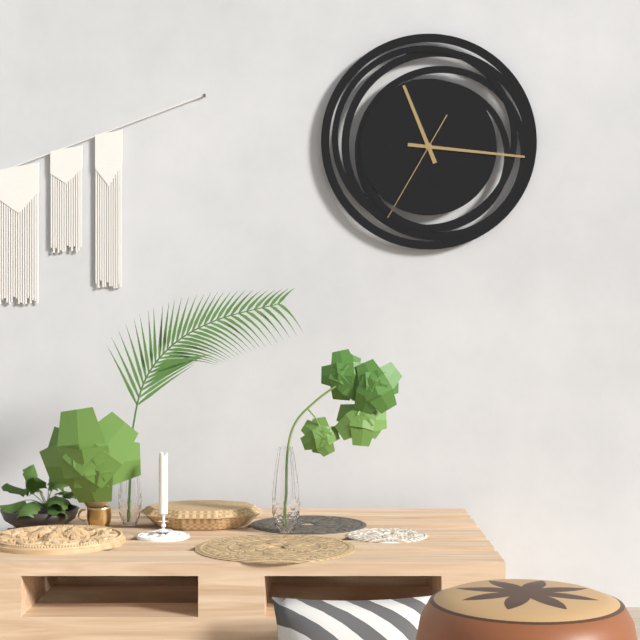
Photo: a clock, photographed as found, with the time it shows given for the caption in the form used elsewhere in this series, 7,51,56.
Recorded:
11,16,35
